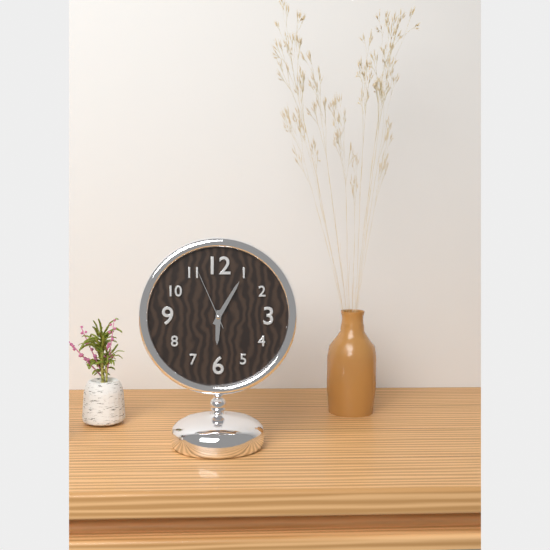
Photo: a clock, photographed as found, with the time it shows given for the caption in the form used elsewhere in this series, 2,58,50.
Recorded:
6,05,56
